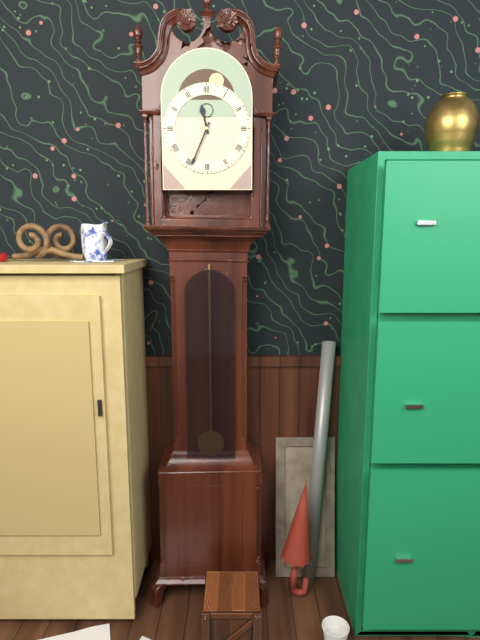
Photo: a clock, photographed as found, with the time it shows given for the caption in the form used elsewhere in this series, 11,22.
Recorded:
11,34
